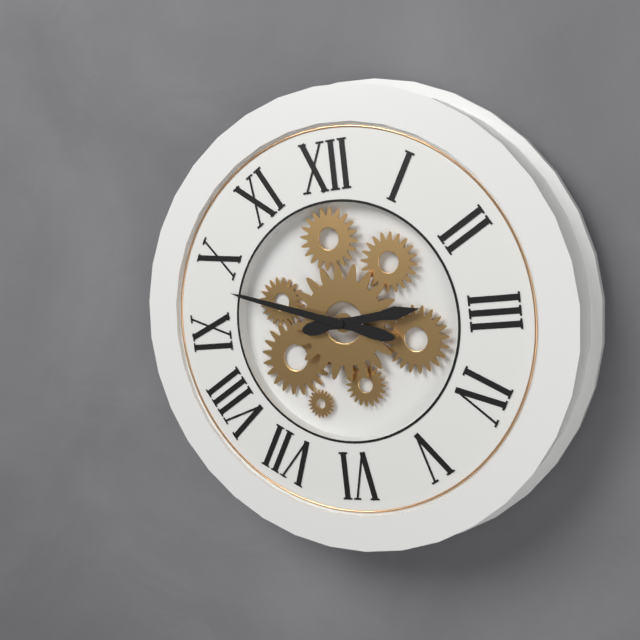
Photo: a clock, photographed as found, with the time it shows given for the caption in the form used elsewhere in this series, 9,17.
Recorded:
2,48
